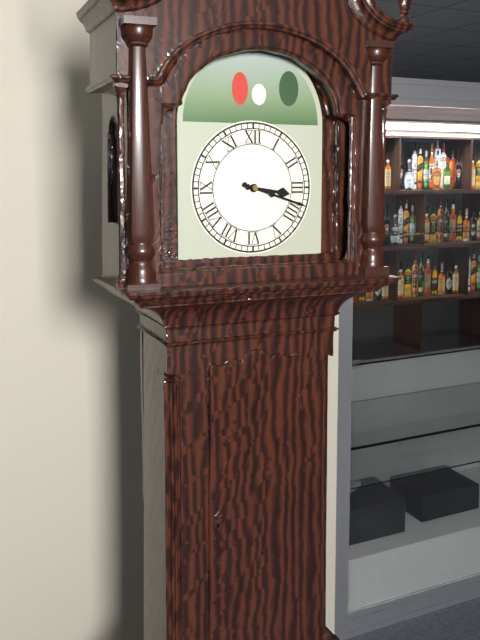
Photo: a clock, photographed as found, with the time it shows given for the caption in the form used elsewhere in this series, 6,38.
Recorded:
3,18
